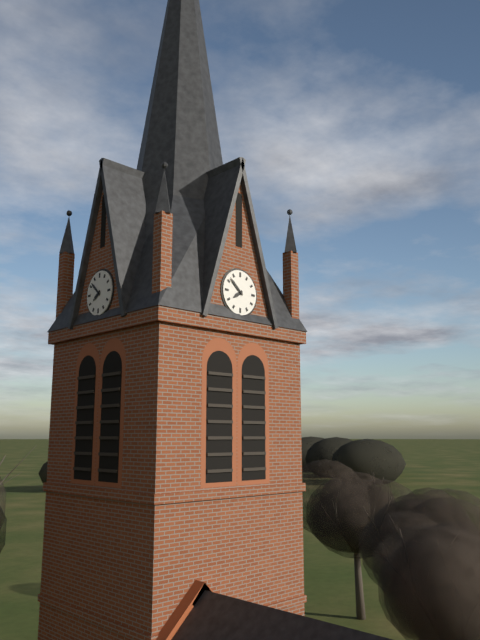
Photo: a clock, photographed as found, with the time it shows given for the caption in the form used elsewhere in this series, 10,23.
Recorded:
7,52
